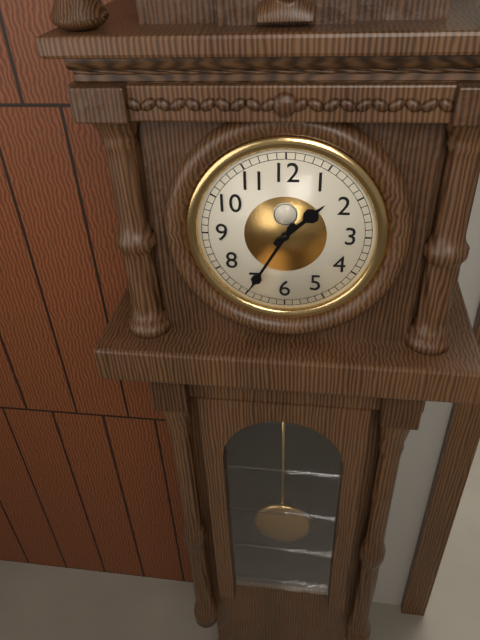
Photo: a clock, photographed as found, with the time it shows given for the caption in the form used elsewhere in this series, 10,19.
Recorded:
1,35
